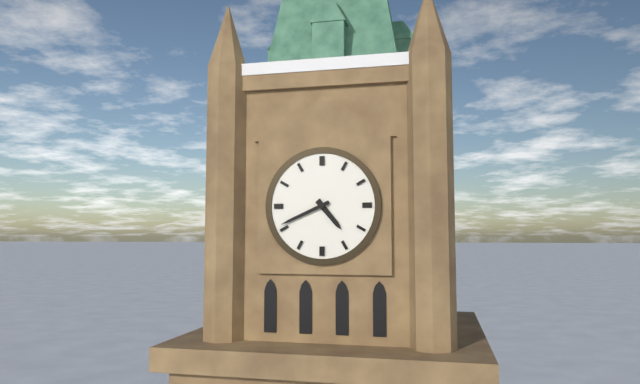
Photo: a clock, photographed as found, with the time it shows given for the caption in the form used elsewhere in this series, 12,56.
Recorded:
4,41
